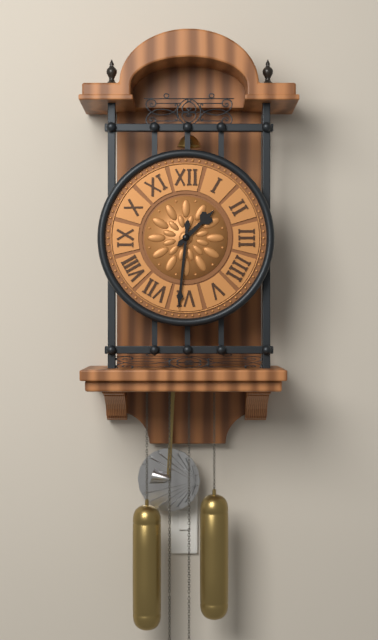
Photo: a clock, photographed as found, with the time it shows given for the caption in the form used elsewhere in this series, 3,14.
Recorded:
1,31
